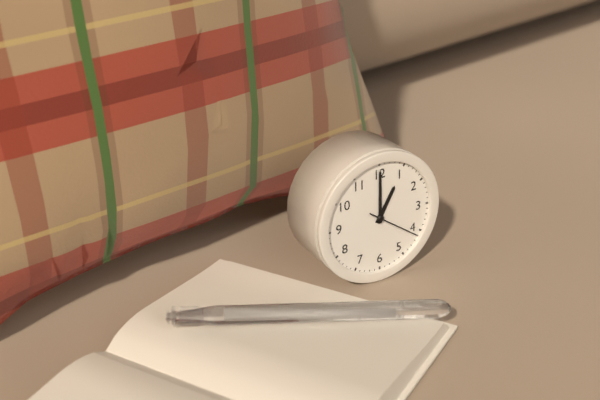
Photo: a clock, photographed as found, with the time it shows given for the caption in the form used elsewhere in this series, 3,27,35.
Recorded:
1,00,21
